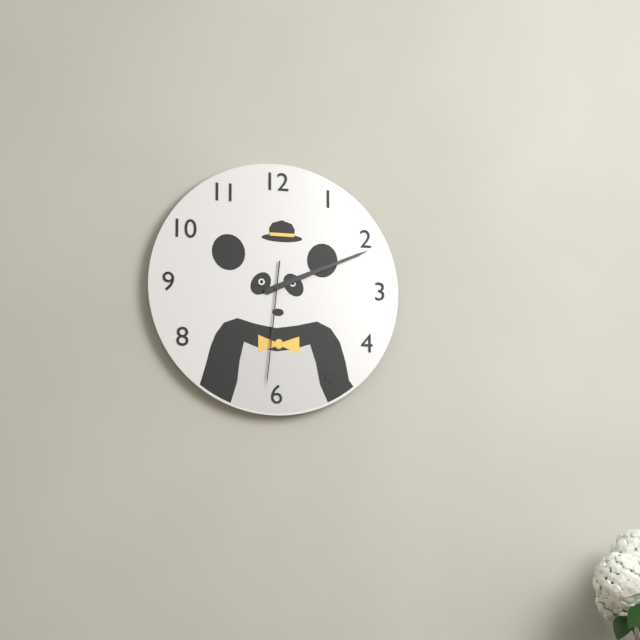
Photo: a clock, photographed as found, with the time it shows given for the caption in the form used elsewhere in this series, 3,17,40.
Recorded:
2,11,31
